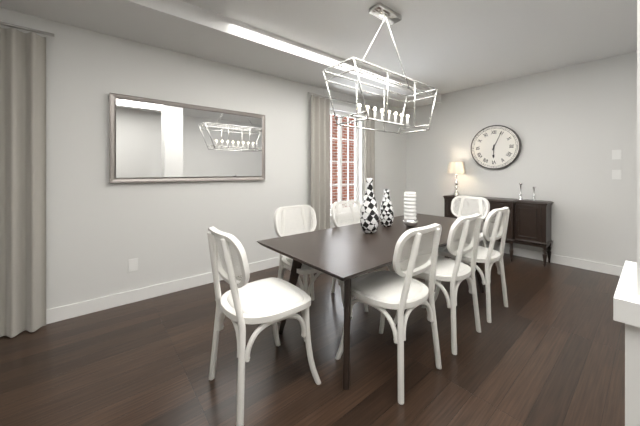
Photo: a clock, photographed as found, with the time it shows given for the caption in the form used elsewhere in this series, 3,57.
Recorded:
6,04
